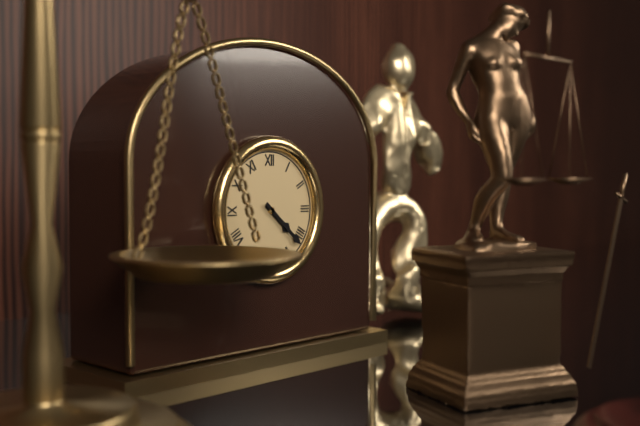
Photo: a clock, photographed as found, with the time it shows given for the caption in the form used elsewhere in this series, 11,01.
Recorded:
4,22
